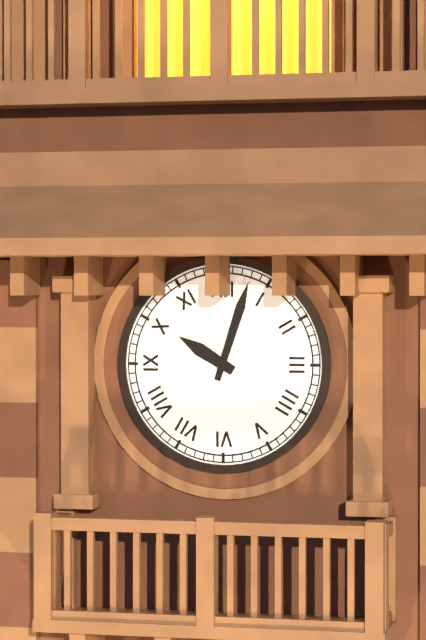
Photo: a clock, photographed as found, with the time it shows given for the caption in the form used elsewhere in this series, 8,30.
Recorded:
10,03
